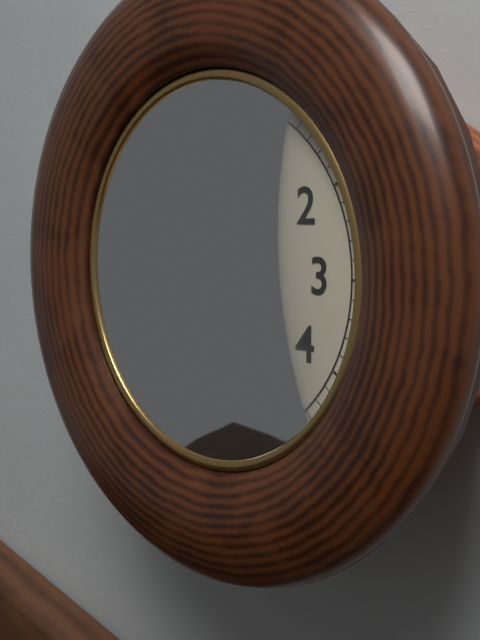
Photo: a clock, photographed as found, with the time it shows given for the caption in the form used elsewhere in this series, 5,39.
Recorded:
4,32
